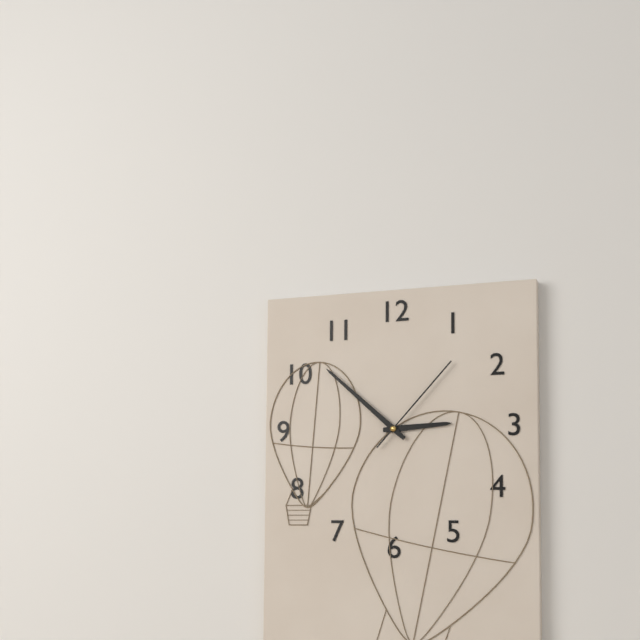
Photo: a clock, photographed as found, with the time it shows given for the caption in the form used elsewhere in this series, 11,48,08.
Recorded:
2,52,07
